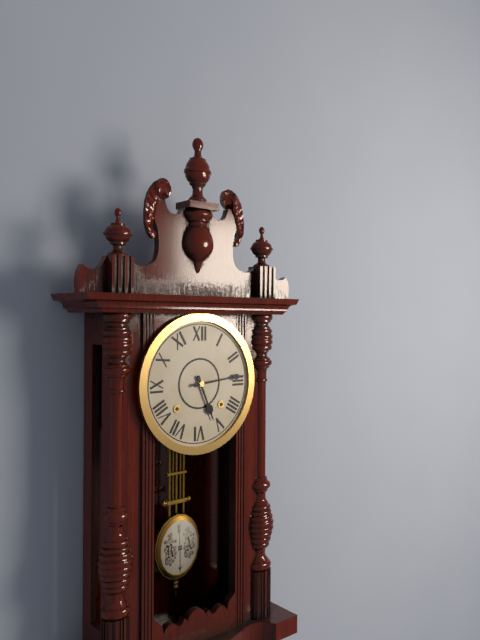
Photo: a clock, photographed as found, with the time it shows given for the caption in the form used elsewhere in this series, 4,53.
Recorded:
5,14
